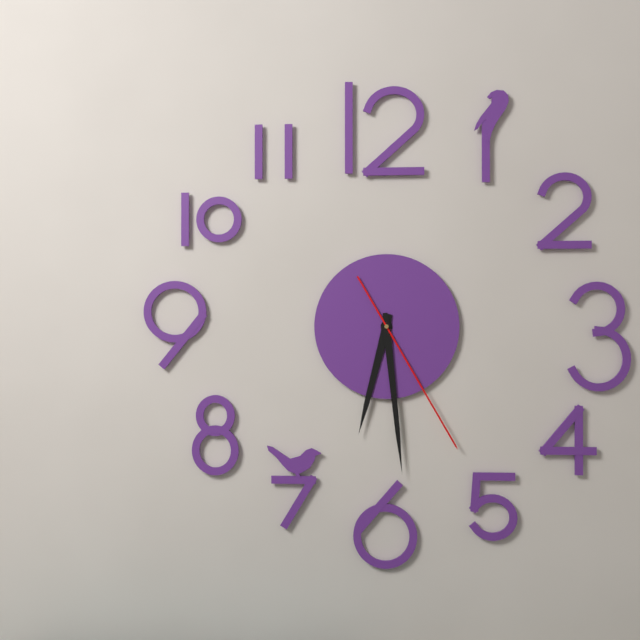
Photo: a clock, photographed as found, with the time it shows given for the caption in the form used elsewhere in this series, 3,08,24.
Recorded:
6,29,25
